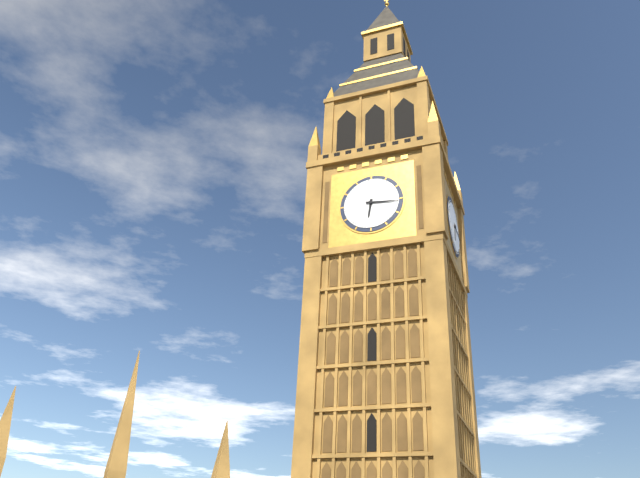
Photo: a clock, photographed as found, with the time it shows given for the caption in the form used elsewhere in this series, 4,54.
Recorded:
6,16
